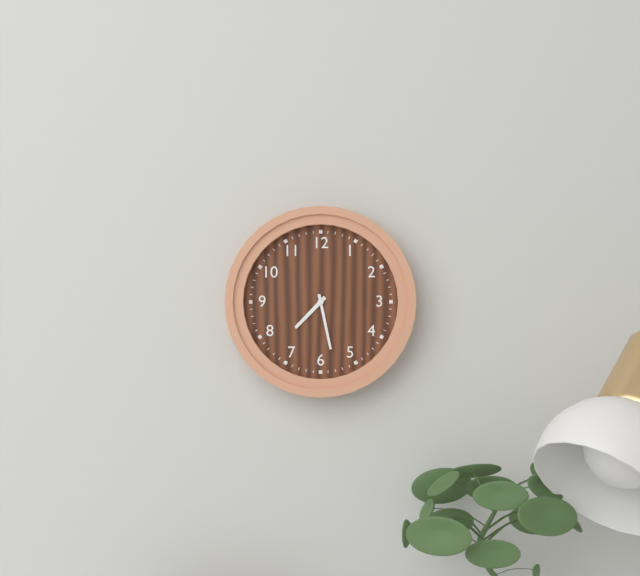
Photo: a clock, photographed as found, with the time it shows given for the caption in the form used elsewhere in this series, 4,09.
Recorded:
7,28
